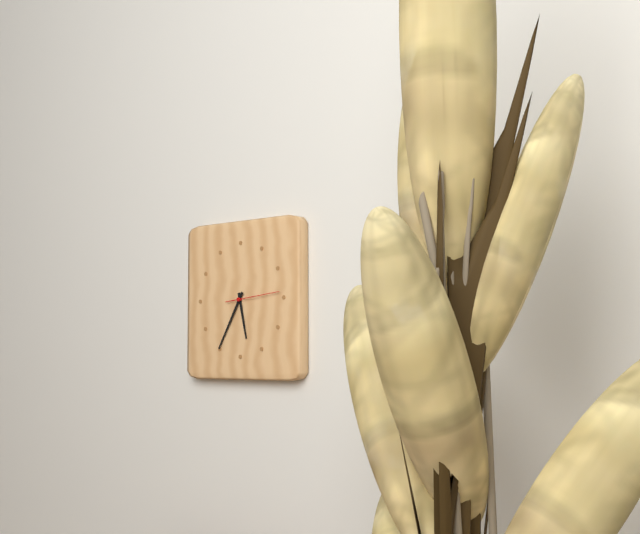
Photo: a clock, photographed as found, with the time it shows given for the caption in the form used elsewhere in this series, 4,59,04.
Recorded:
5,35,14
